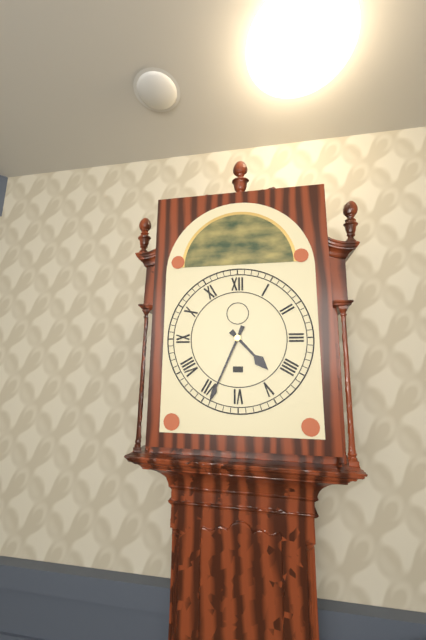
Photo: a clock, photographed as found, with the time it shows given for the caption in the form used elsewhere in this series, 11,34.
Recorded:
4,34
